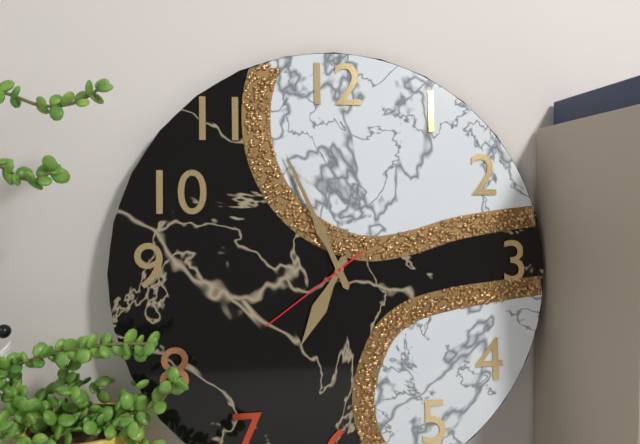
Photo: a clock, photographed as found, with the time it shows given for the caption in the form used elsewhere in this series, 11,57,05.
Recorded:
6,56,39
